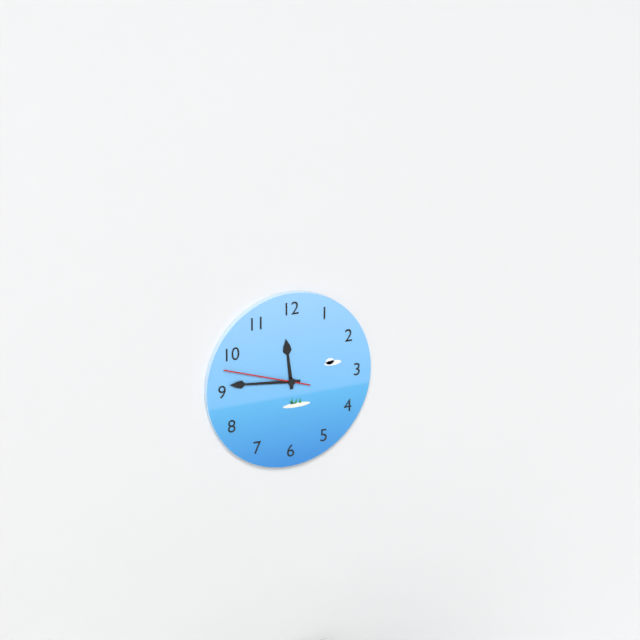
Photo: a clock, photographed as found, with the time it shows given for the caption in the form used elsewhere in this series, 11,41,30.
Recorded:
11,46,48
